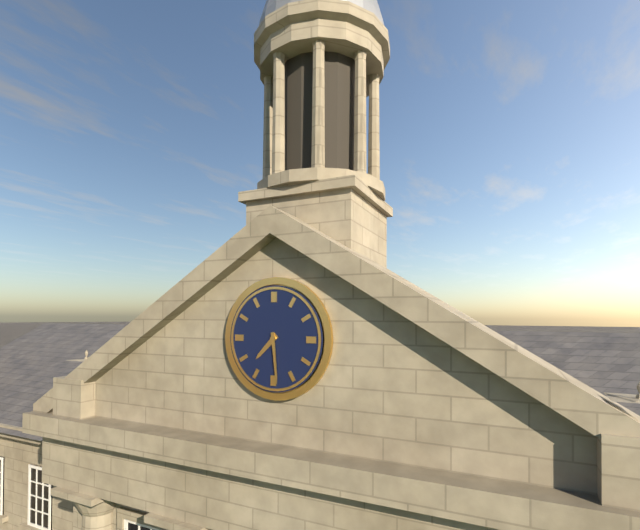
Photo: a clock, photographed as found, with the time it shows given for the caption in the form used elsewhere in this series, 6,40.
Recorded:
7,29
